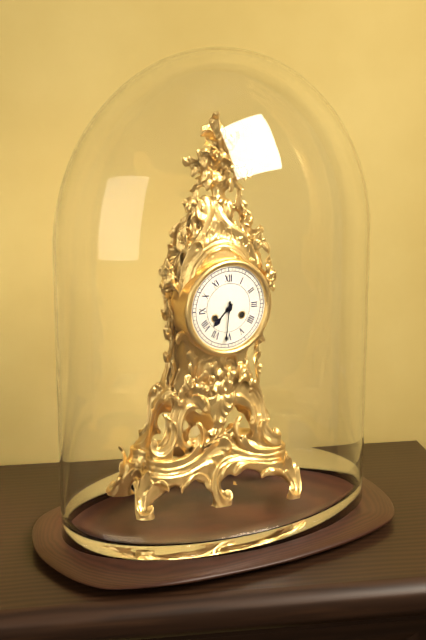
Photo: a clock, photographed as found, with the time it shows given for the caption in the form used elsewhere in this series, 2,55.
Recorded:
7,31
